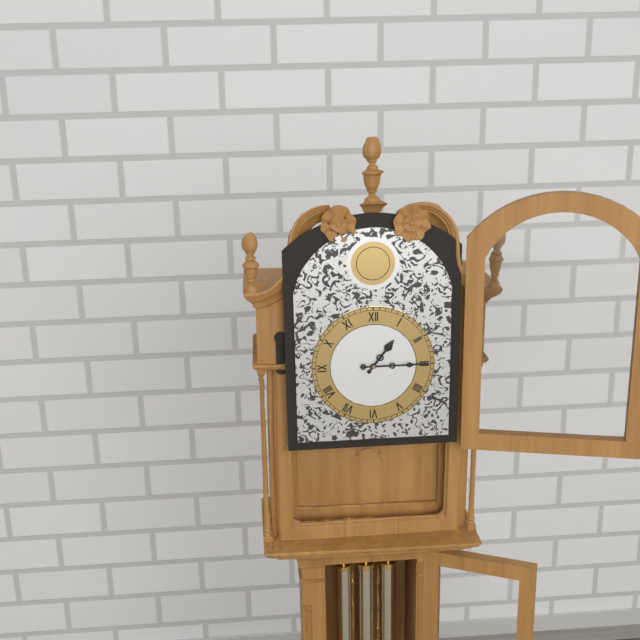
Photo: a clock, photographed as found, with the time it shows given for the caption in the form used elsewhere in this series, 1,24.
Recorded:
1,15
